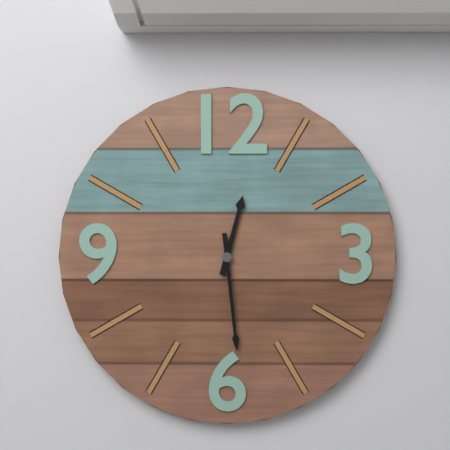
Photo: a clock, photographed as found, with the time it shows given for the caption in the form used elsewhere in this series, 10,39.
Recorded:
12,29
